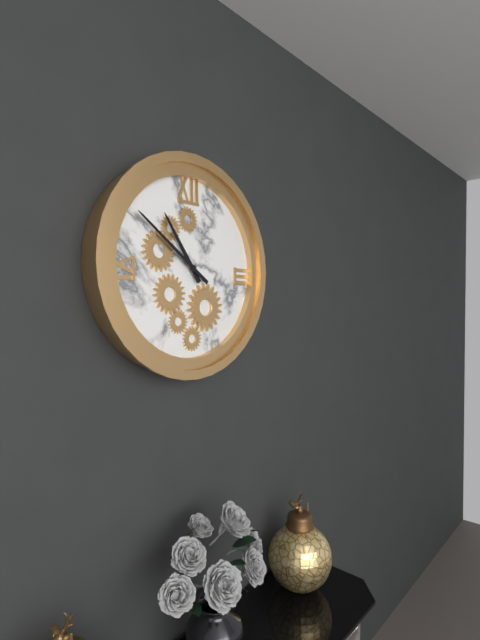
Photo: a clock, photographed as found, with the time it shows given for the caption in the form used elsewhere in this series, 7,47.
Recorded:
10,51
